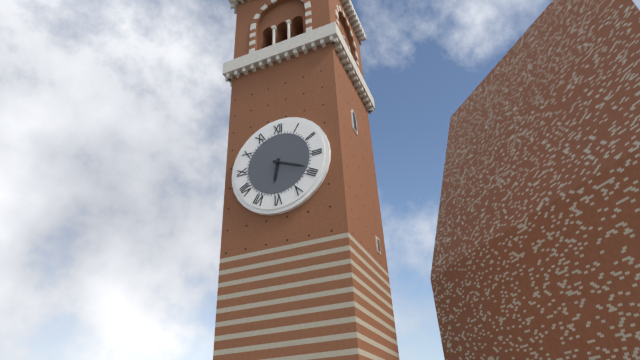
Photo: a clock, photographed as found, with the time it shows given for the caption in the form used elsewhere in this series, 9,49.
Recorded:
6,19
